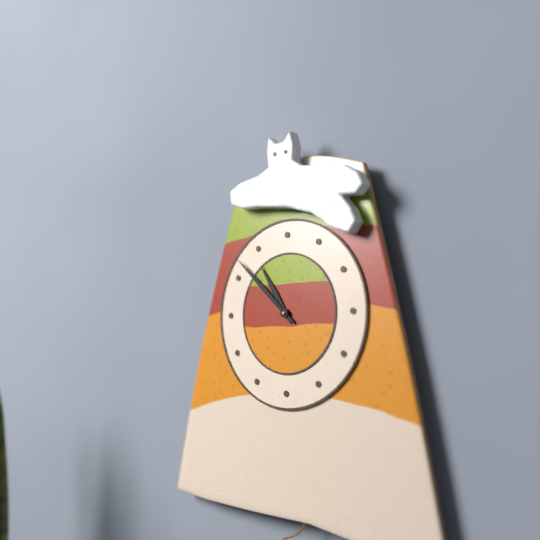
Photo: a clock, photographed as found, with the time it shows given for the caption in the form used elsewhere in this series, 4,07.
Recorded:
10,52
